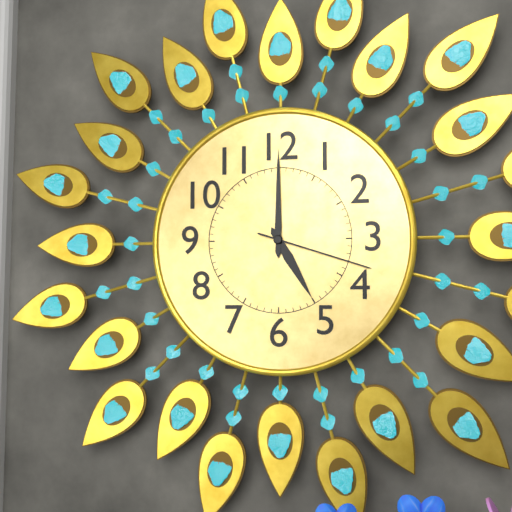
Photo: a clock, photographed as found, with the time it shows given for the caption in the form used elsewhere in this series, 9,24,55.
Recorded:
5,00,18
